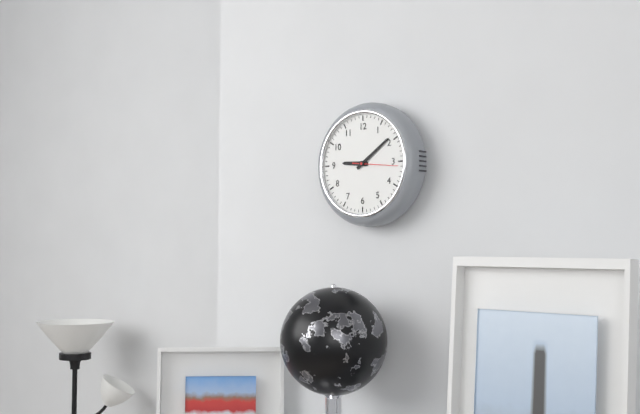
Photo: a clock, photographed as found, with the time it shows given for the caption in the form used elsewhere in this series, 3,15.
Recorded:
9,09
